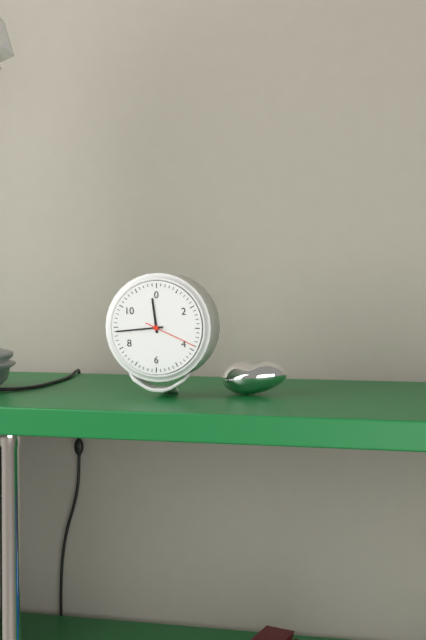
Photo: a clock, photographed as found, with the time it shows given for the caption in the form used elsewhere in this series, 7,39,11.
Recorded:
11,44,19
